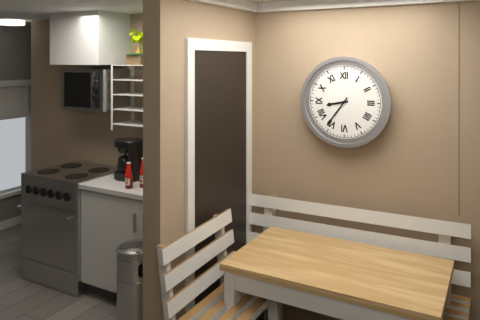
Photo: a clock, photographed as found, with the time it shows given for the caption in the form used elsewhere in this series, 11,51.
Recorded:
8,36
